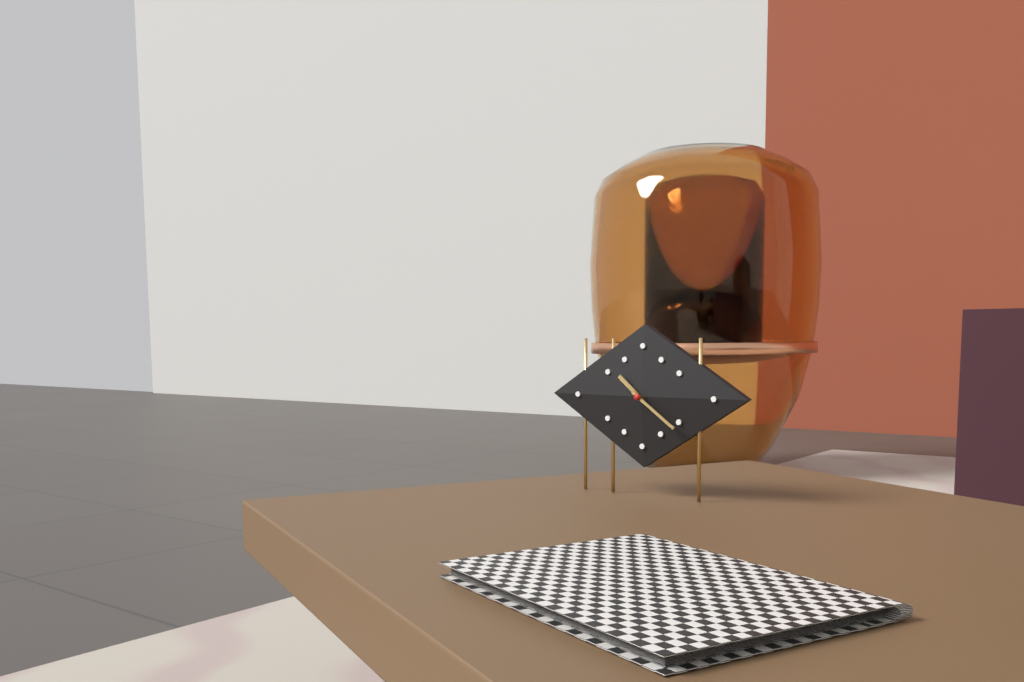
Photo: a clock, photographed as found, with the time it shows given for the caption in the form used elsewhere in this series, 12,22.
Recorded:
10,21
